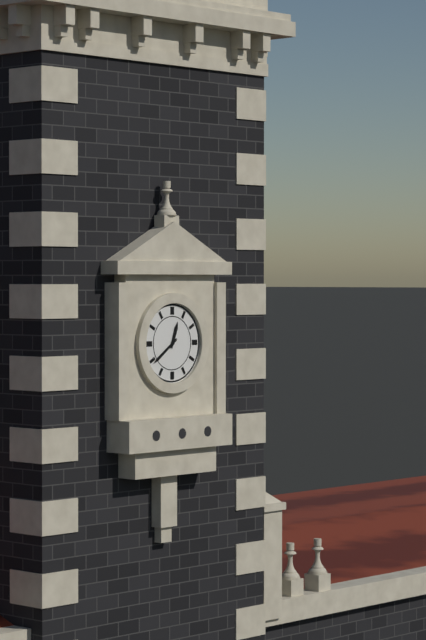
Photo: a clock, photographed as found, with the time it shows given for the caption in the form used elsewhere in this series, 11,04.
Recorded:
12,39
